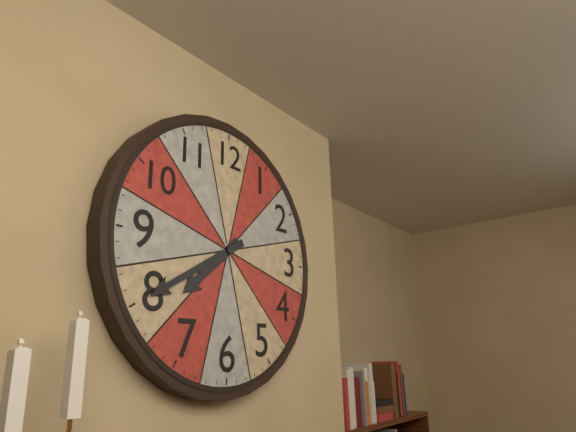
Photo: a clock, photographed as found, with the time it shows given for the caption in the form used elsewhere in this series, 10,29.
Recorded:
7,40
